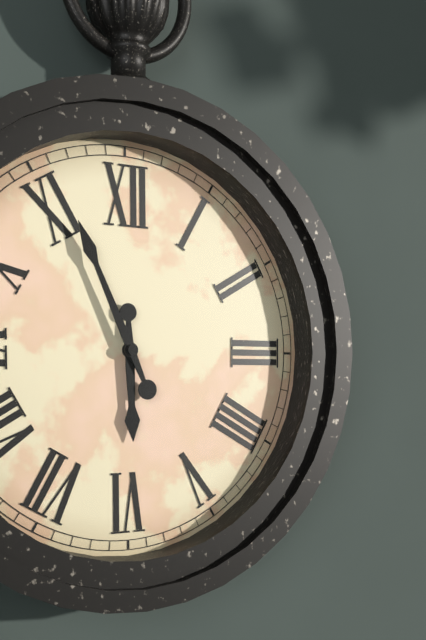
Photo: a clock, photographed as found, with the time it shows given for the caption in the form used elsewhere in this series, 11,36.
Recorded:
5,56
